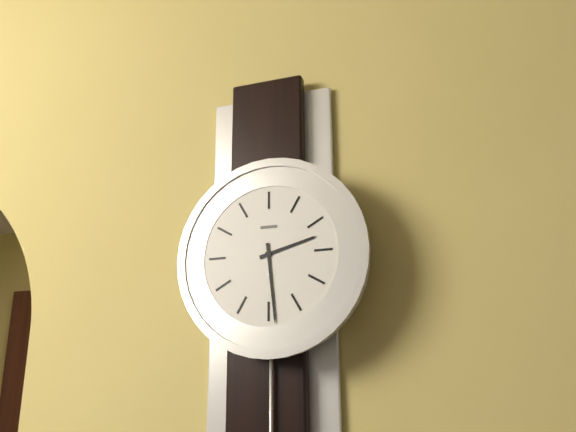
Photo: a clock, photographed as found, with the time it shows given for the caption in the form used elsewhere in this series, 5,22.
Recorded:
2,29
